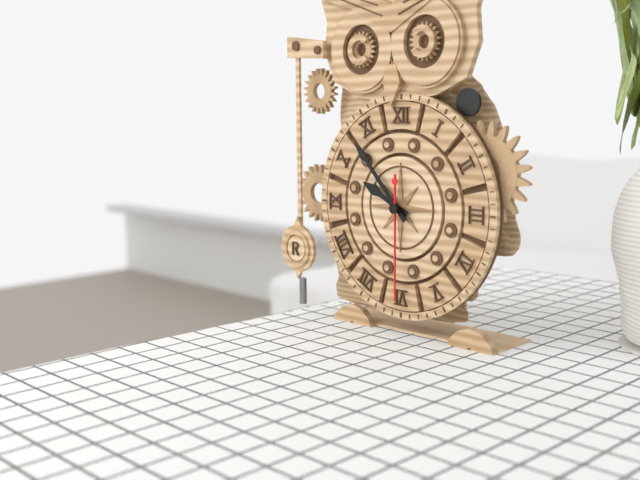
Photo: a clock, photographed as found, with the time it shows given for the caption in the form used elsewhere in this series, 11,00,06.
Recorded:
9,53,30
